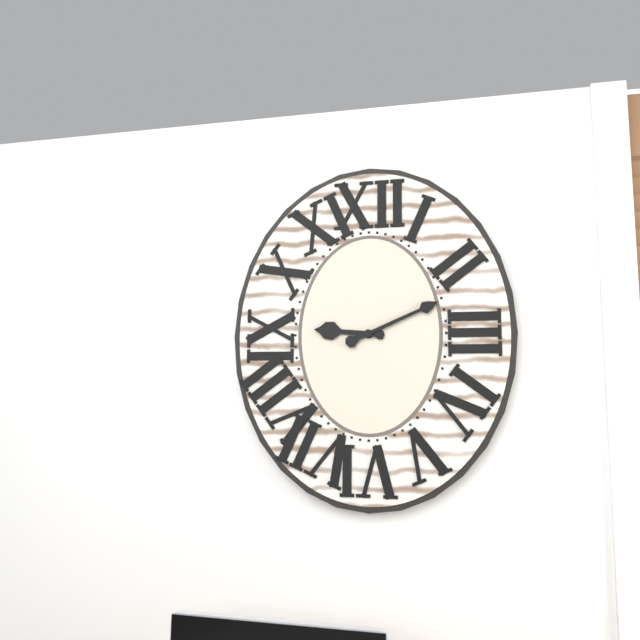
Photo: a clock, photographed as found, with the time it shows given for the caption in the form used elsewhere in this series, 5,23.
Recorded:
9,11
